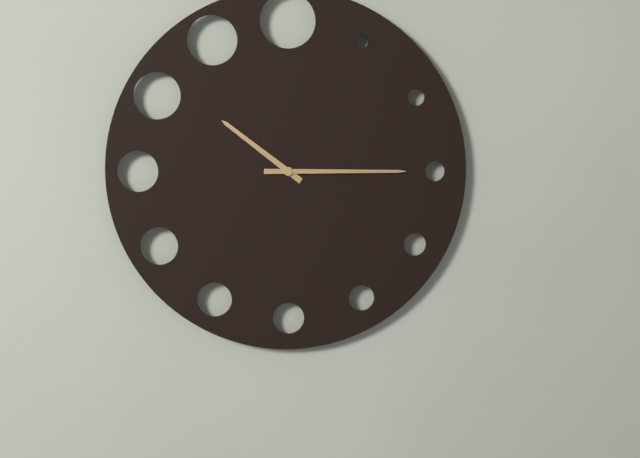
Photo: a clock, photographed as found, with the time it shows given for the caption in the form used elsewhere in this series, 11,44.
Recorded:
10,15
